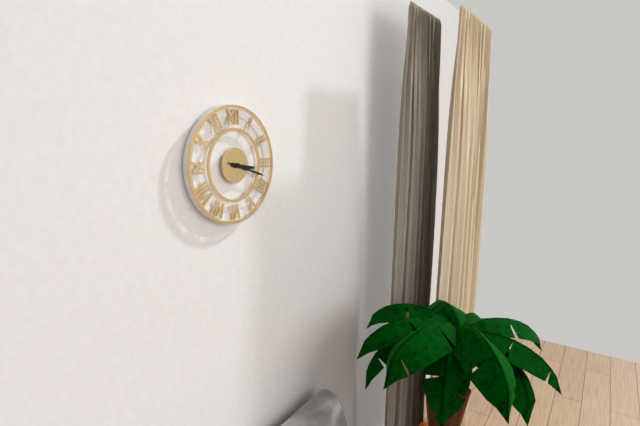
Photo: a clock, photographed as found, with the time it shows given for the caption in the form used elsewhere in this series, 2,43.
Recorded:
3,18
